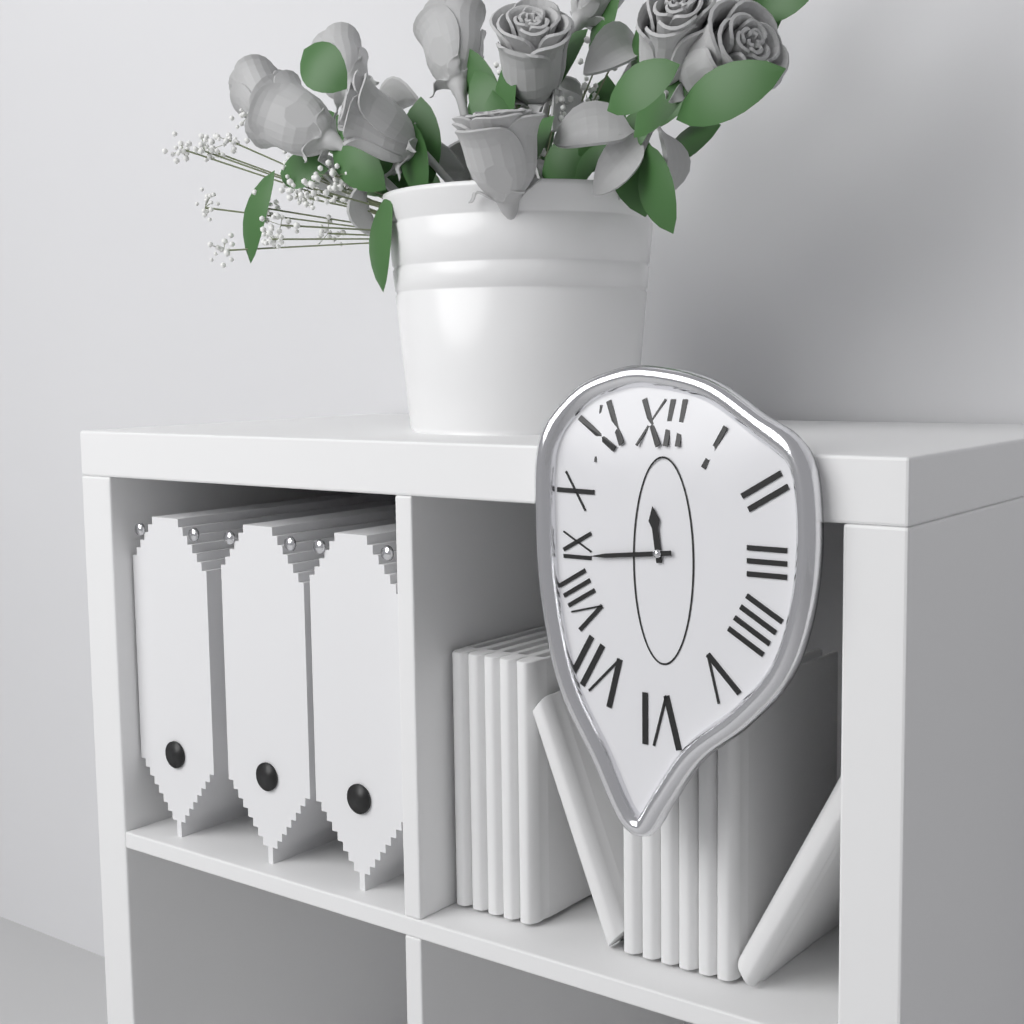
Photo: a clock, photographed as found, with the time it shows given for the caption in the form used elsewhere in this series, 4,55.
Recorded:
11,44
